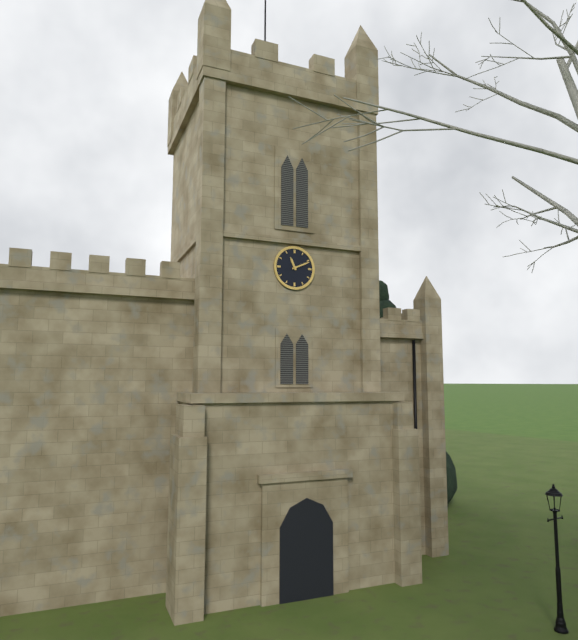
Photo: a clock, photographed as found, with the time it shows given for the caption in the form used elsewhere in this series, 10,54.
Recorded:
11,11
